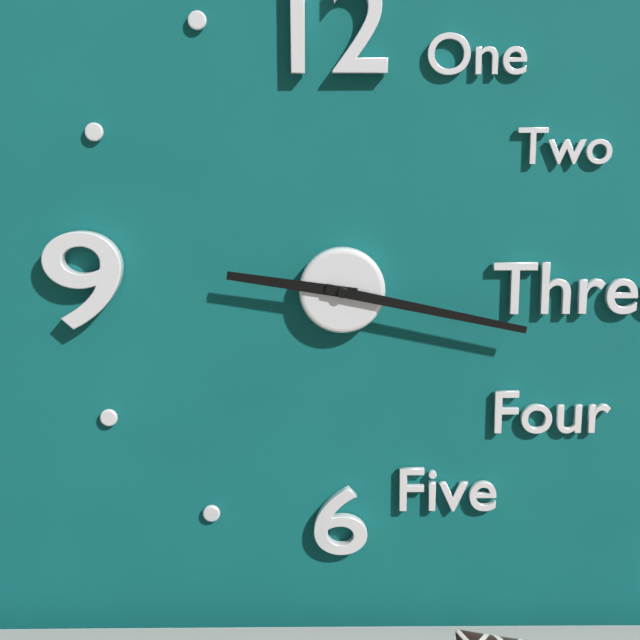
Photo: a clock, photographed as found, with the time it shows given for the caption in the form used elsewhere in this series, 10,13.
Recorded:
9,17
